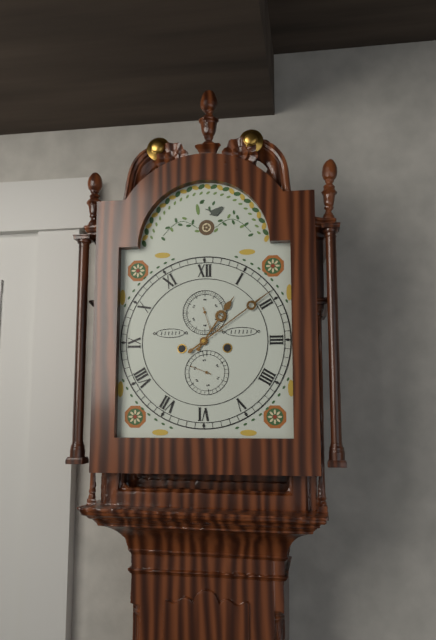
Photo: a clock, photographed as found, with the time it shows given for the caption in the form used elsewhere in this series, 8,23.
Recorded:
1,09
